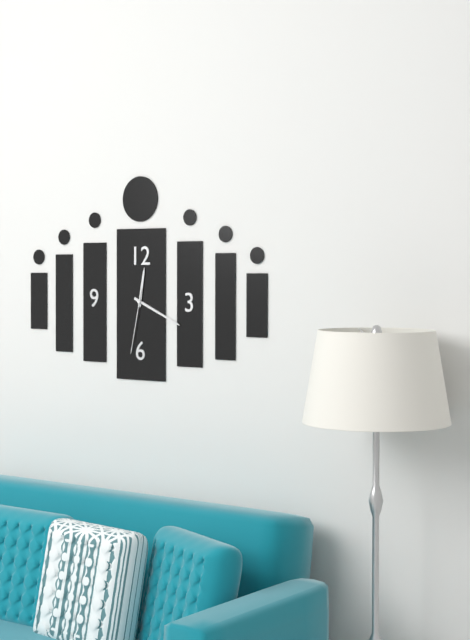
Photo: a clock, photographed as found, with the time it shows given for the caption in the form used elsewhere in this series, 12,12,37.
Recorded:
12,19,32
